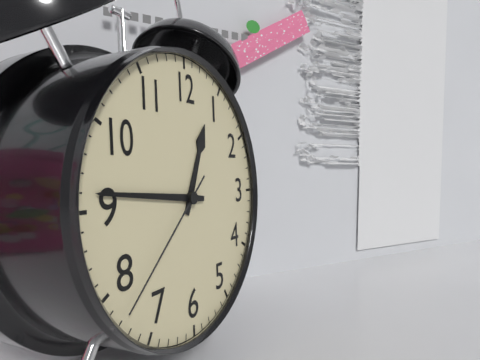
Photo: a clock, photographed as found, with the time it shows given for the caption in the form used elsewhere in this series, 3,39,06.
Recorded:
12,46,38
